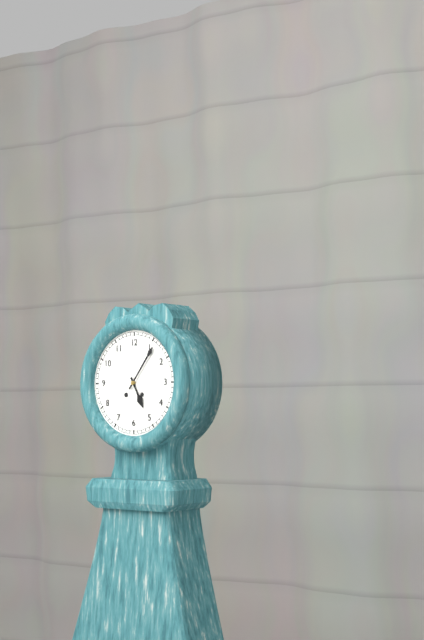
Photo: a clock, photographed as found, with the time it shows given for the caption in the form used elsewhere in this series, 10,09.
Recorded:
5,06
